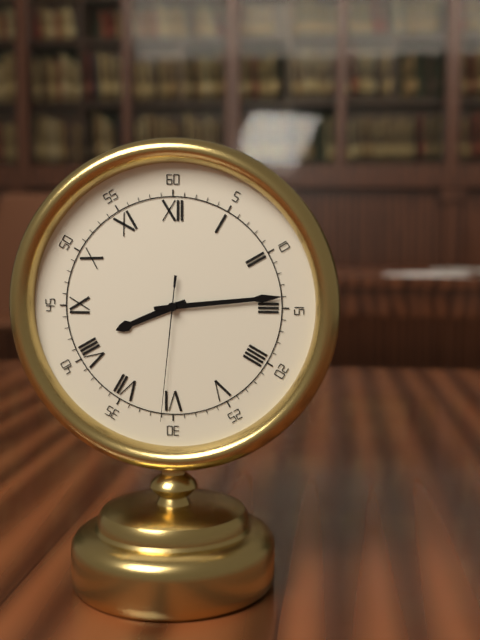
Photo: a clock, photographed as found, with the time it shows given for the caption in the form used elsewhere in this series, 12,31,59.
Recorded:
8,14,31
